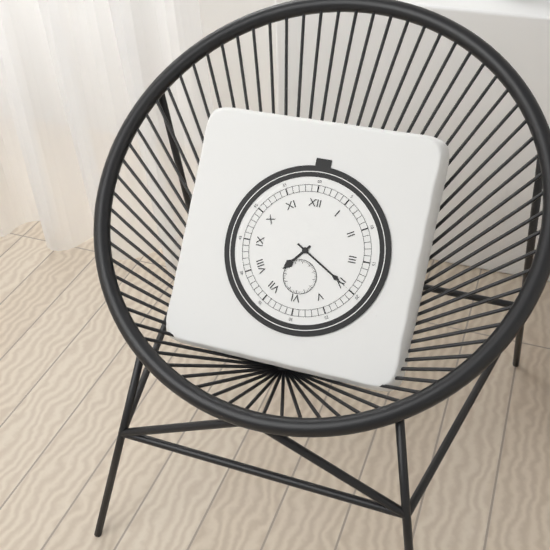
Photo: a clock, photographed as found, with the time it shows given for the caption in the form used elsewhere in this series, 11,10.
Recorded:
7,20
